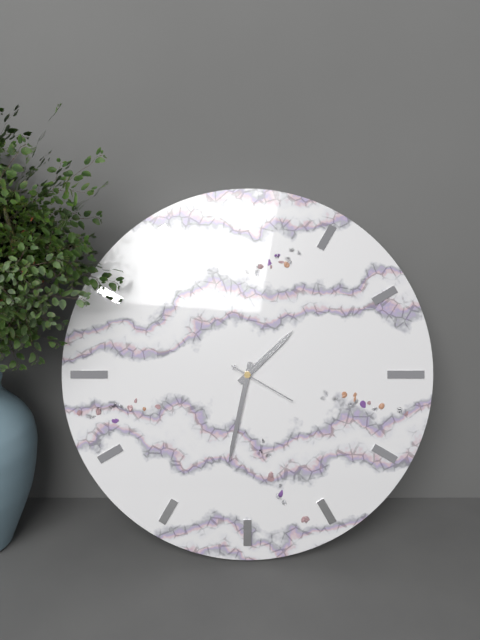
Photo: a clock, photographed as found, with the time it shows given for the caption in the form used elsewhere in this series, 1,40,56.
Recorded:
1,32,20
